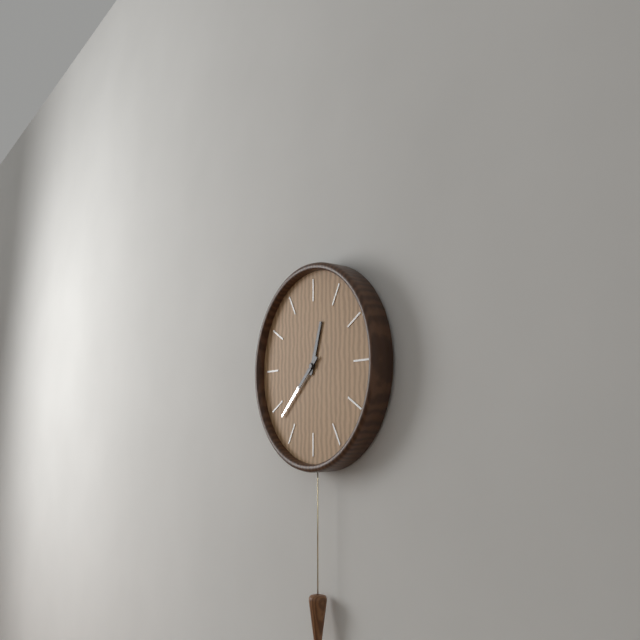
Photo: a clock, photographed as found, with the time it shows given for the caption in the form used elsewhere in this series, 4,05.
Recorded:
12,38
